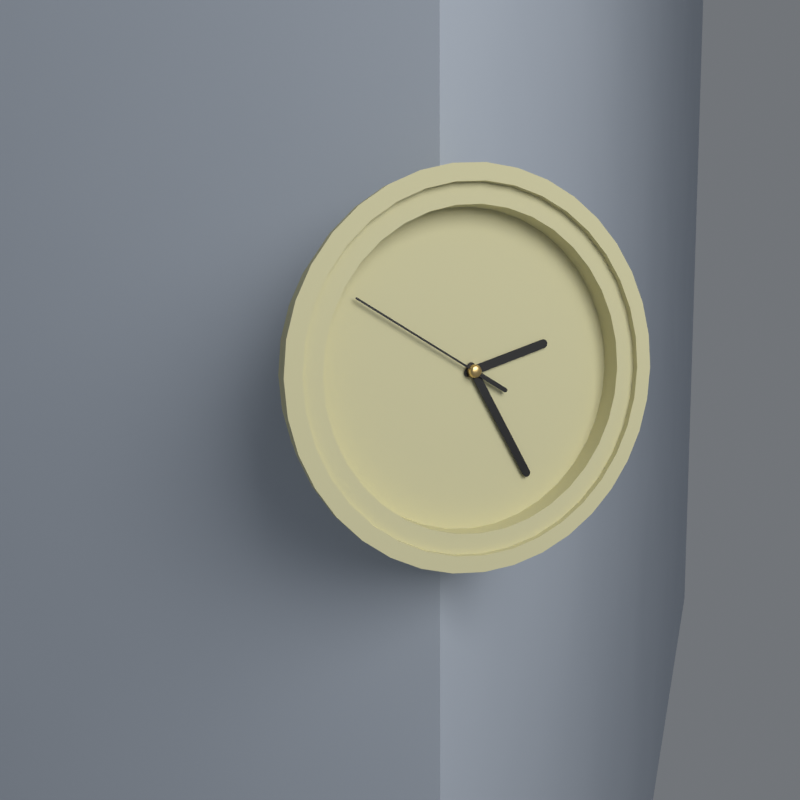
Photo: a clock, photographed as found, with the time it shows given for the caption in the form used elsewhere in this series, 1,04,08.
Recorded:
2,25,50
